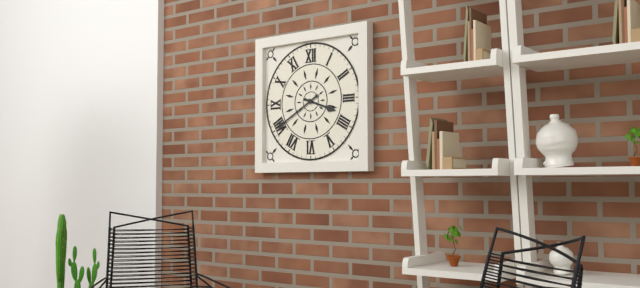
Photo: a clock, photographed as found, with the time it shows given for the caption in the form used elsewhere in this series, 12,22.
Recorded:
3,40
